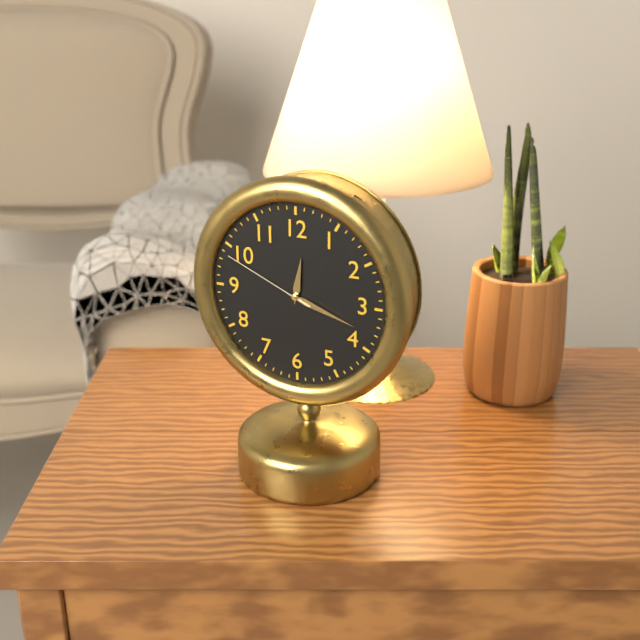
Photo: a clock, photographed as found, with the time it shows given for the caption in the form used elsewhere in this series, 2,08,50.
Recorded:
12,18,49
